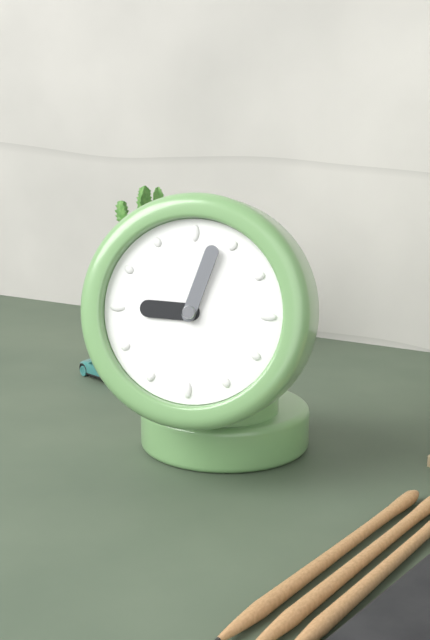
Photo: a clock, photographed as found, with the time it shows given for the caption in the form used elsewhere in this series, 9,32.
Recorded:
9,03
